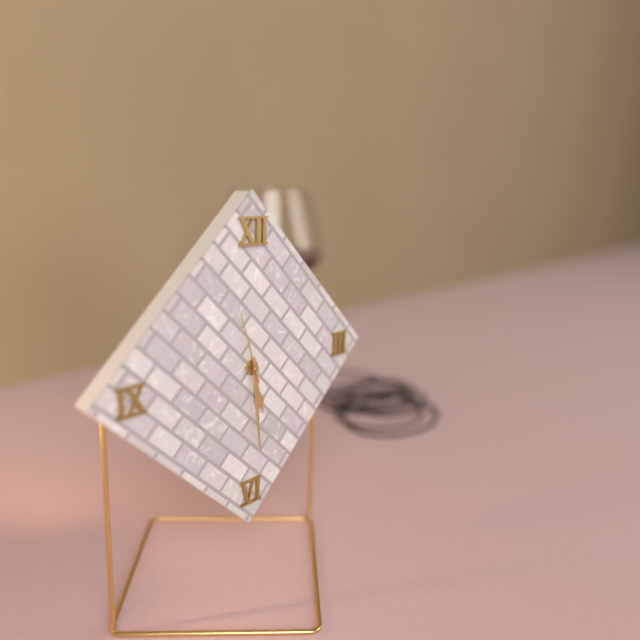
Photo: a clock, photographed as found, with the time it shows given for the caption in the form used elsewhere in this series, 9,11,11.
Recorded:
5,29,57
